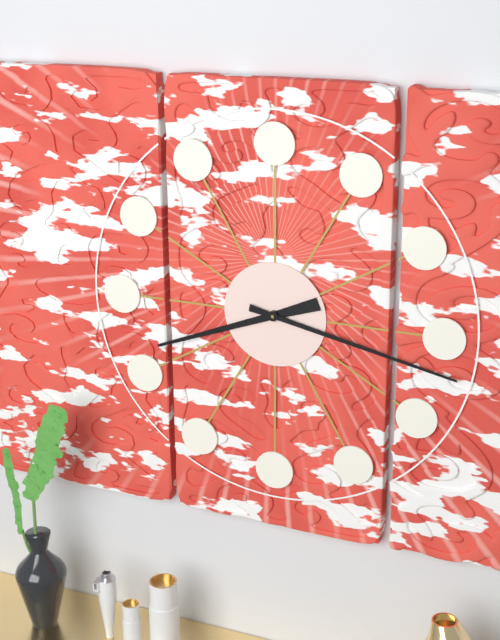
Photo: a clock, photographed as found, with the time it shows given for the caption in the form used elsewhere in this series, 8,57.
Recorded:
8,17
